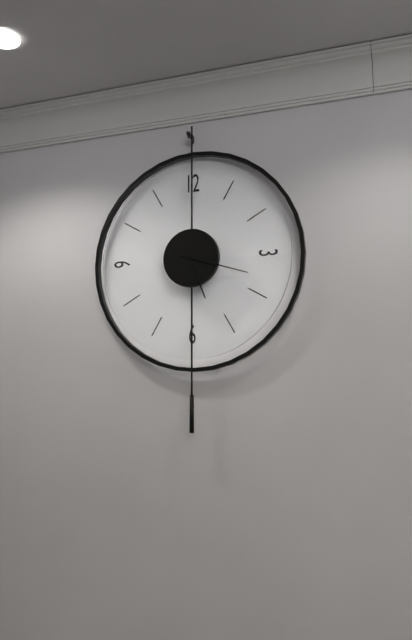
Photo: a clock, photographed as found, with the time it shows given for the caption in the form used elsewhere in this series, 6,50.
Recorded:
5,18
